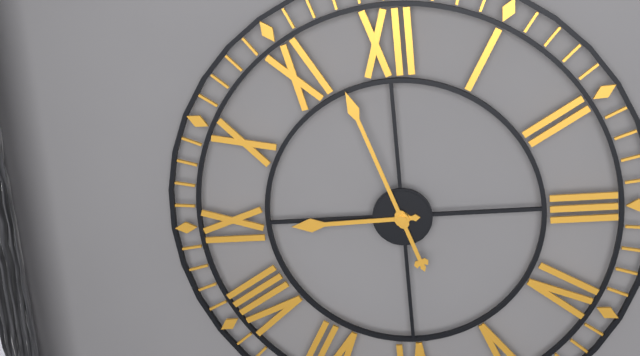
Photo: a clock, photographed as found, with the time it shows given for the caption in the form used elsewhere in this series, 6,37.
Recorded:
8,57
